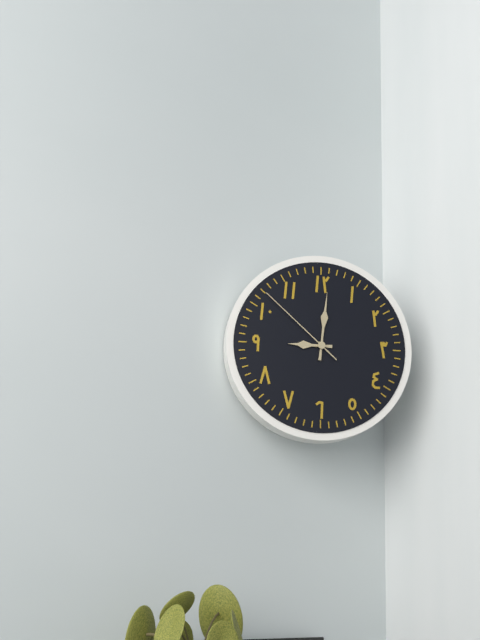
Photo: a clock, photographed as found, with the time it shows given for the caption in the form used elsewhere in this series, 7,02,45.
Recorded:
9,01,52
